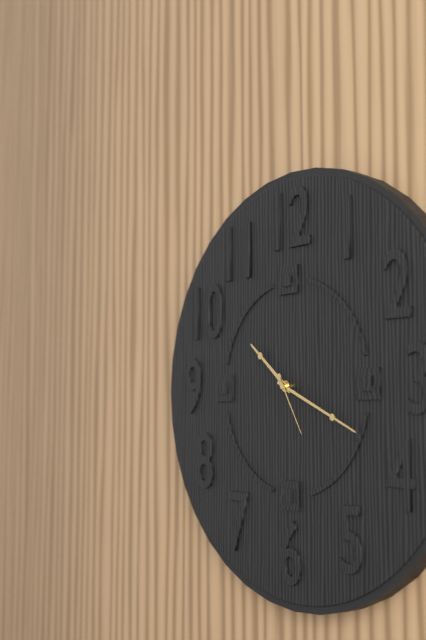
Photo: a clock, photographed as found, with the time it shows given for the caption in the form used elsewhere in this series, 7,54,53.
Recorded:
10,19,25
